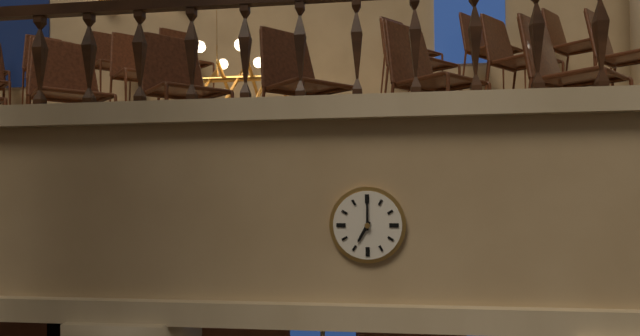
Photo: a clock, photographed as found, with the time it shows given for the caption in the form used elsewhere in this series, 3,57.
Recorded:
7,00
